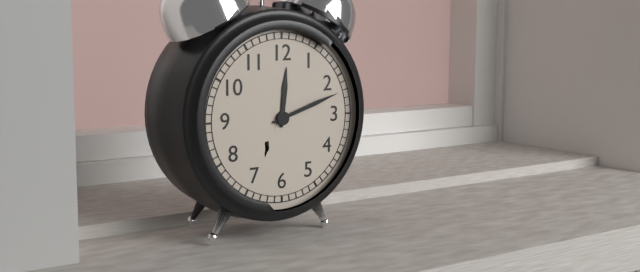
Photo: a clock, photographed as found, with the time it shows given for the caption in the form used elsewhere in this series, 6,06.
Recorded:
12,12
